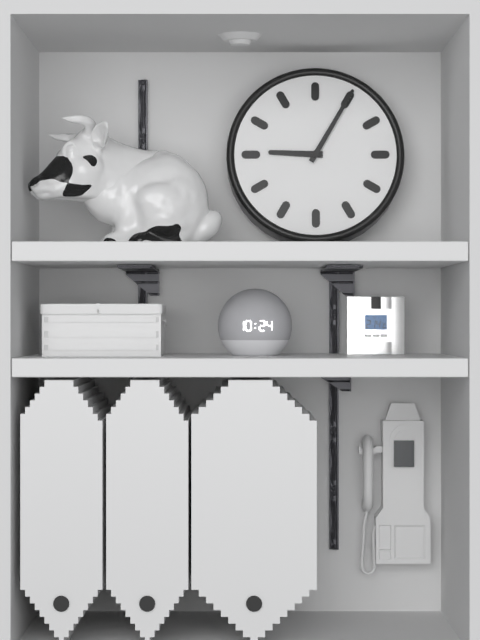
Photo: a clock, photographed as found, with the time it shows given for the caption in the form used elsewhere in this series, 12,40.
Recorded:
9,05
